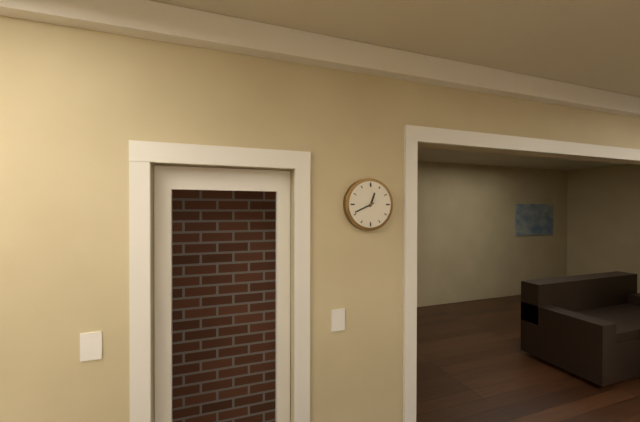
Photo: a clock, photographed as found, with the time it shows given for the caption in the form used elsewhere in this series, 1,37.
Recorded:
12,41
